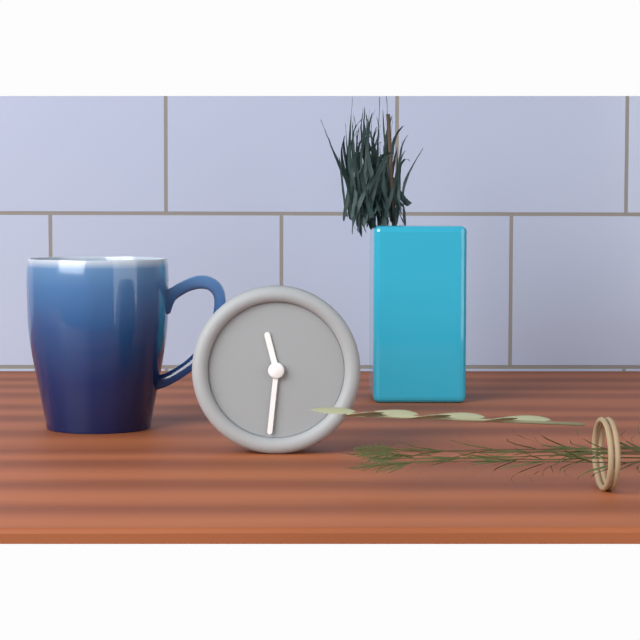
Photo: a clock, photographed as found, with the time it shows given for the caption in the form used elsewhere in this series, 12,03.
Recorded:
11,31
